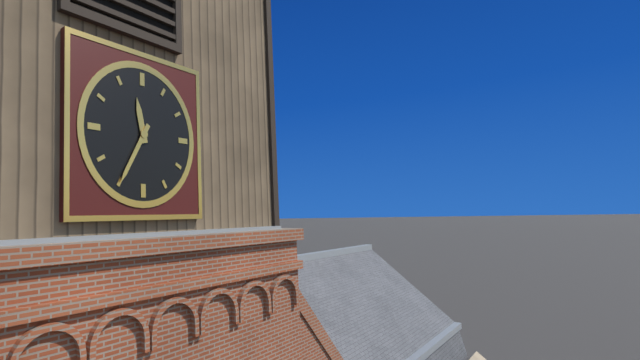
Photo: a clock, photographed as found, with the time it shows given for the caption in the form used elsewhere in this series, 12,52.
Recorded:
11,35
